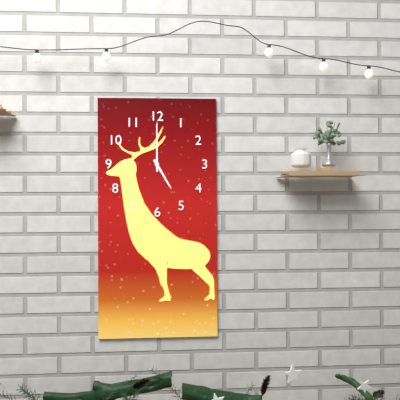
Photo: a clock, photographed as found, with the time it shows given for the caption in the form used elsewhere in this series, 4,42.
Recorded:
5,00
